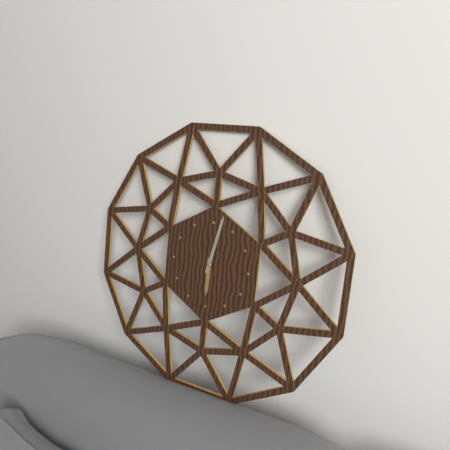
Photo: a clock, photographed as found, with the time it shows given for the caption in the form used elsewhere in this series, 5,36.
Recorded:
6,02
